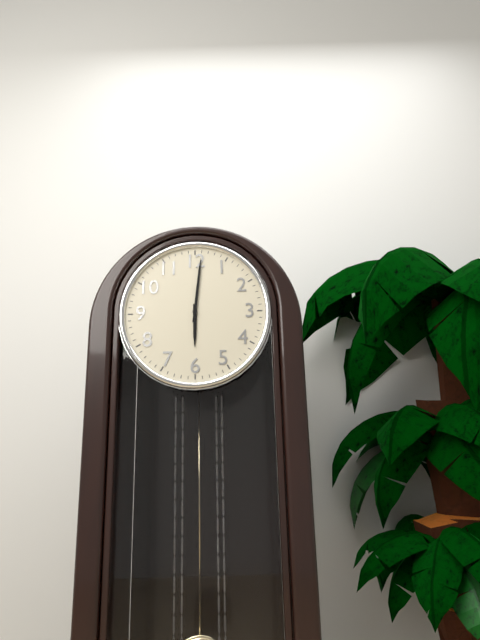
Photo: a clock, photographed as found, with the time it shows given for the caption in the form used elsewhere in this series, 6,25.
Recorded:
6,01
